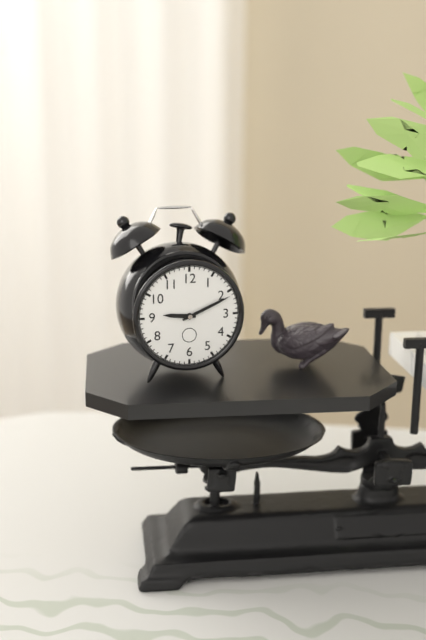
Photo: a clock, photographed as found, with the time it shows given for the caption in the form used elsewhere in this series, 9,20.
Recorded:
9,11
